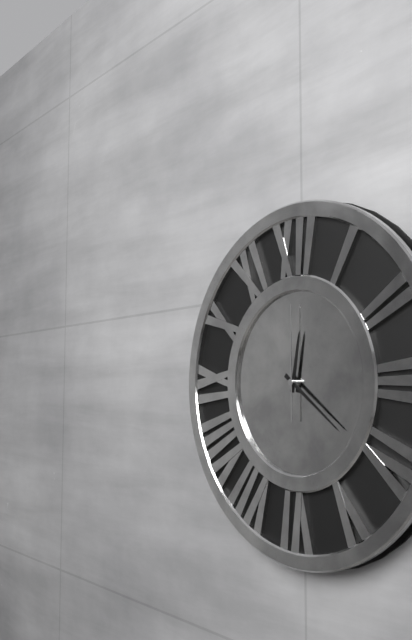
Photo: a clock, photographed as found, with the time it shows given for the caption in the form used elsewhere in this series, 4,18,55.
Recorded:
12,21,00
